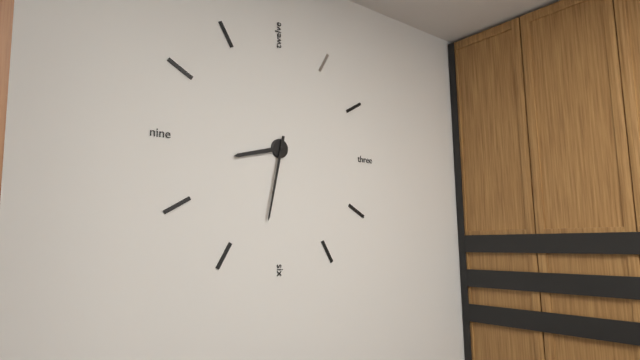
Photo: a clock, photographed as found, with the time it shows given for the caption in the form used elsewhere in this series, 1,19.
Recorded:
8,32
